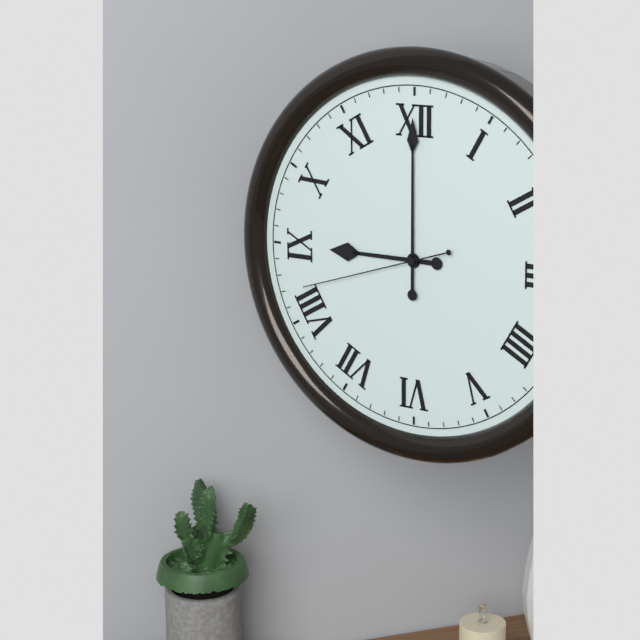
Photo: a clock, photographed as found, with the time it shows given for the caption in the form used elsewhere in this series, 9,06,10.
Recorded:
9,00,42
